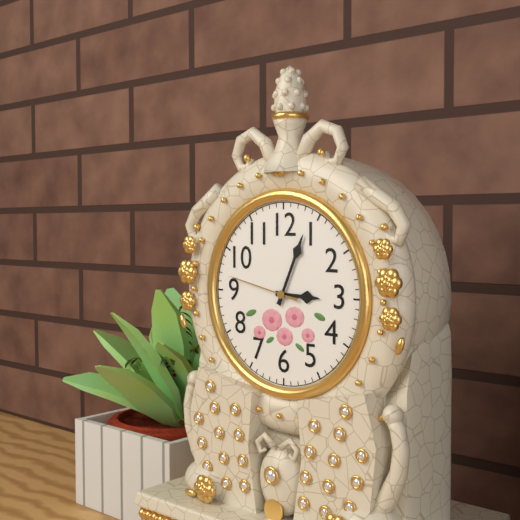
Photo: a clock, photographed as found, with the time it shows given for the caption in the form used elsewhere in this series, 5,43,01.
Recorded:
3,04,47
